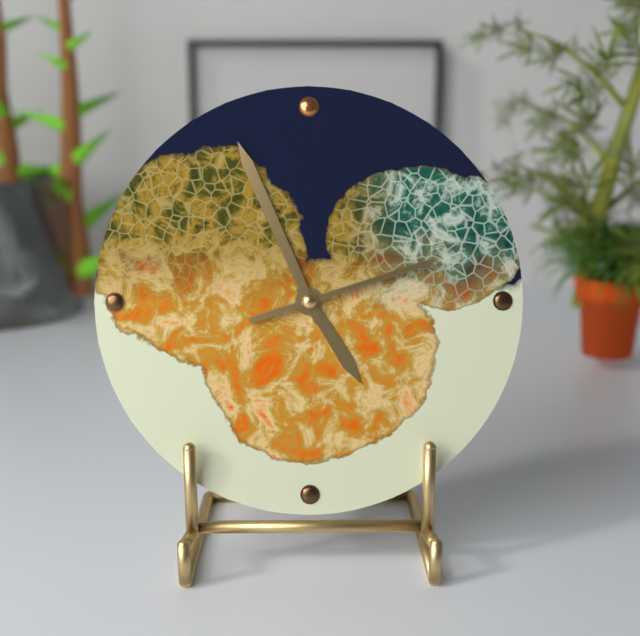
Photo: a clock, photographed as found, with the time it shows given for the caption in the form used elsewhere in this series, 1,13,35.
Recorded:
4,56,12
